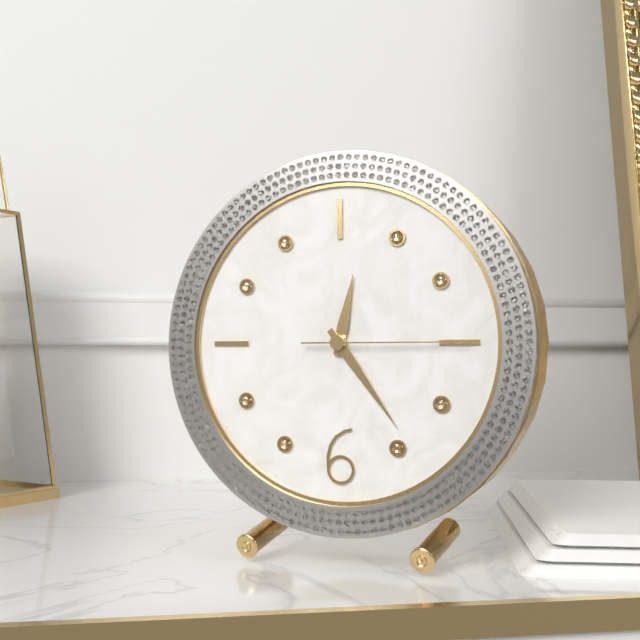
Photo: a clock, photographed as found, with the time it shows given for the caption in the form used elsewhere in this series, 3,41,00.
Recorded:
12,24,15
